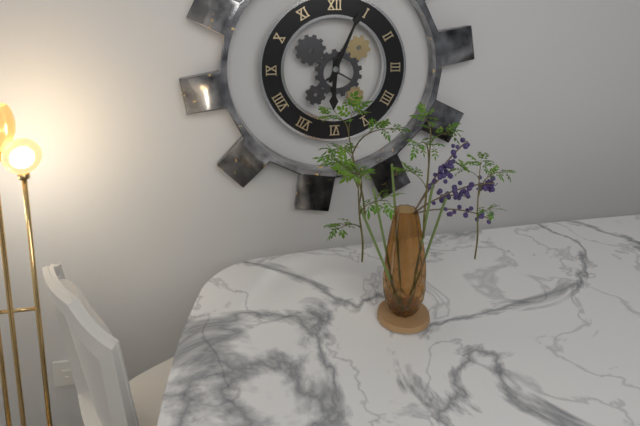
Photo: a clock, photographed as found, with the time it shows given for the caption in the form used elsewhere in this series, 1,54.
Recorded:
6,04
